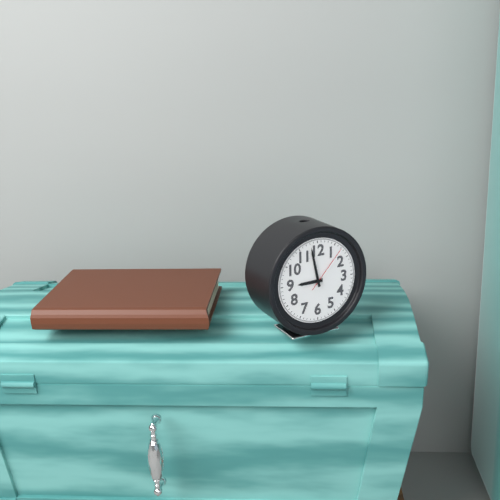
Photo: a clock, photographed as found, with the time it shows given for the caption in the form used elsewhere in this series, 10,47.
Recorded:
8,58
